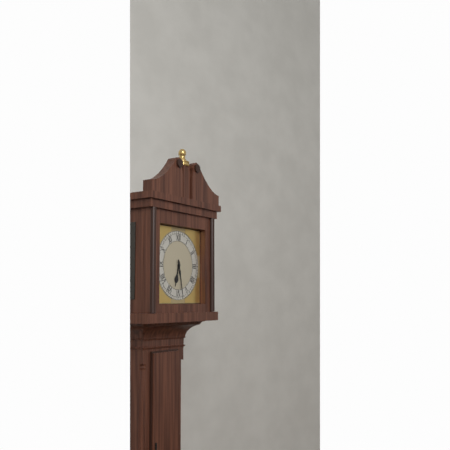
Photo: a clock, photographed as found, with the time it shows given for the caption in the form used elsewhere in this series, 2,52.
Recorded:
6,28
